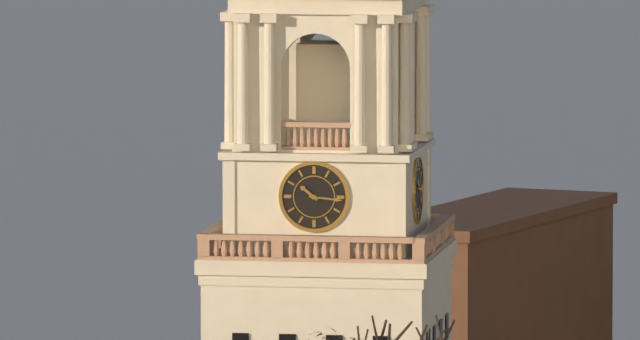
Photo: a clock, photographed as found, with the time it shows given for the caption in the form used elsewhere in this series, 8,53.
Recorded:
10,16
